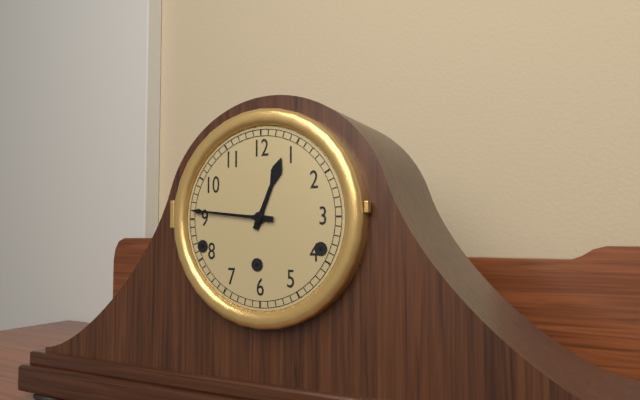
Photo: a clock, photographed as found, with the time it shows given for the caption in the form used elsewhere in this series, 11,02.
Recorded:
12,46
